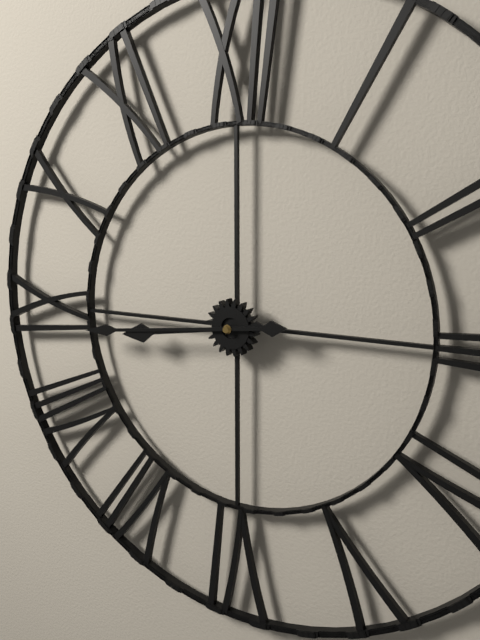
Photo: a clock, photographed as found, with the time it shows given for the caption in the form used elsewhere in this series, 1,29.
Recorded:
8,44
